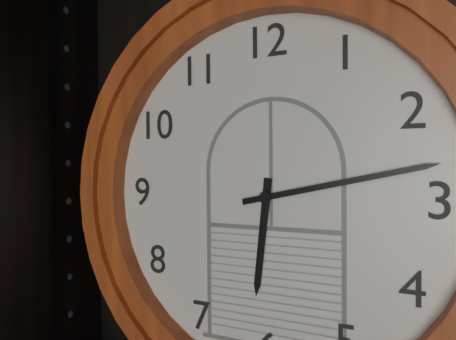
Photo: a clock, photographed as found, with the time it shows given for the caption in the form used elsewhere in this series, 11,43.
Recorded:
6,13
